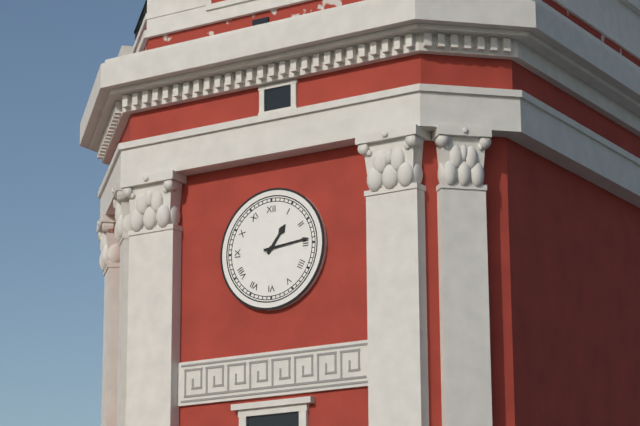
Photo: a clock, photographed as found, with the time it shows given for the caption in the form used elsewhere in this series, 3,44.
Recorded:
1,14
